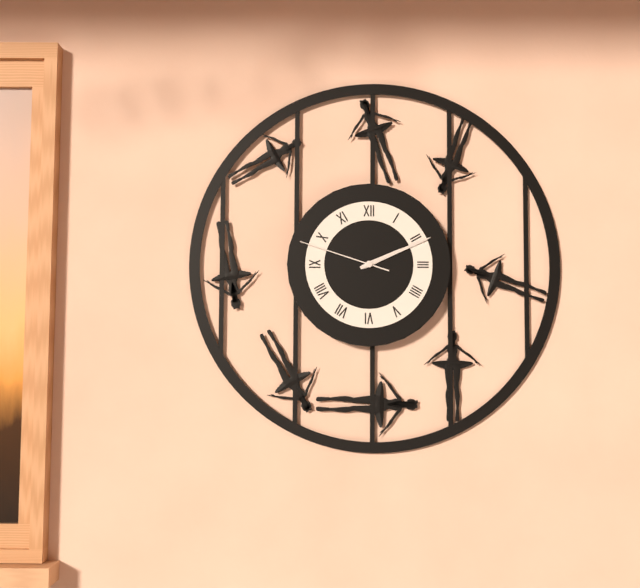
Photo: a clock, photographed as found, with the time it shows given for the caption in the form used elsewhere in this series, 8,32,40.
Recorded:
2,11,48
